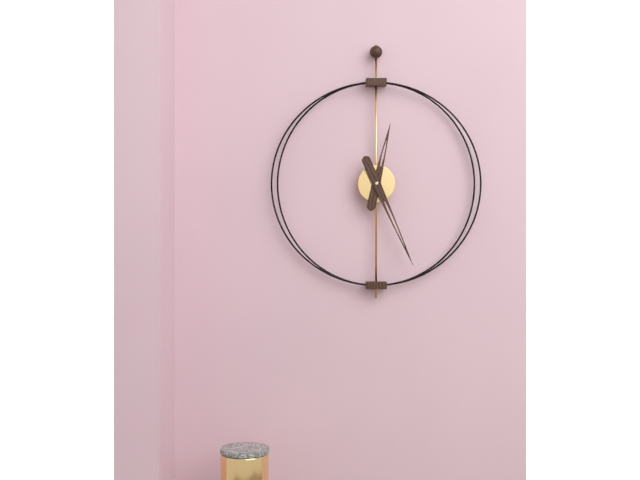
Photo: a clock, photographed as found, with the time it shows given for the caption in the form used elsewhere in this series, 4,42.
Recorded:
12,26
